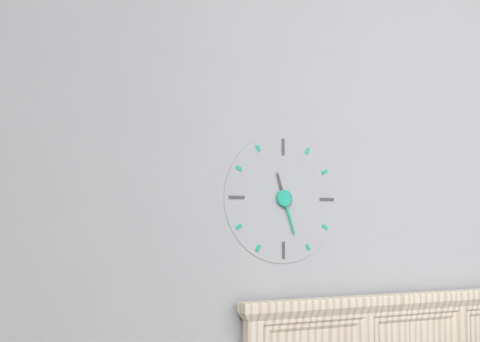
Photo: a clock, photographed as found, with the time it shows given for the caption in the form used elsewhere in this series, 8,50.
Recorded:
11,27
